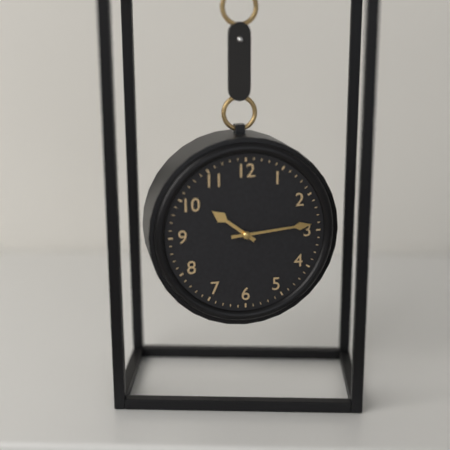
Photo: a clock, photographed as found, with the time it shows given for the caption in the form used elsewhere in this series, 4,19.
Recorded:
10,14
